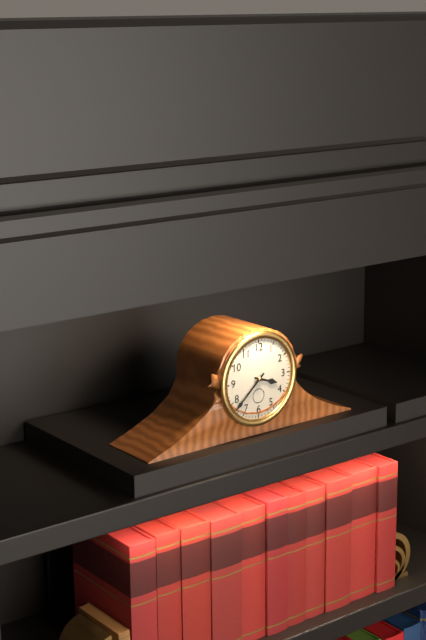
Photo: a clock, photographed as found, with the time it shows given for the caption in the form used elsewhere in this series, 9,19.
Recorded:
3,38
